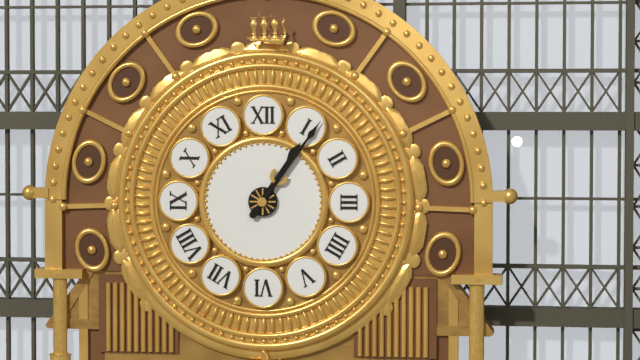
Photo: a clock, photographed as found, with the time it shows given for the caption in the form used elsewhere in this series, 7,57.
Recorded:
1,06
